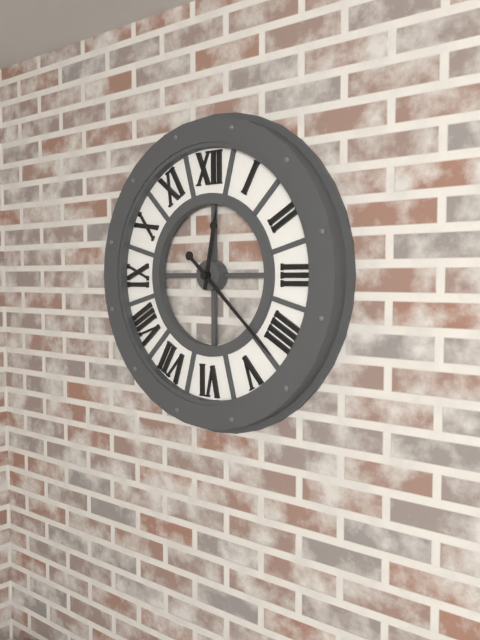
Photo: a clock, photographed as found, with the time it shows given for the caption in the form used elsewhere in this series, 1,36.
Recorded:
12,22
